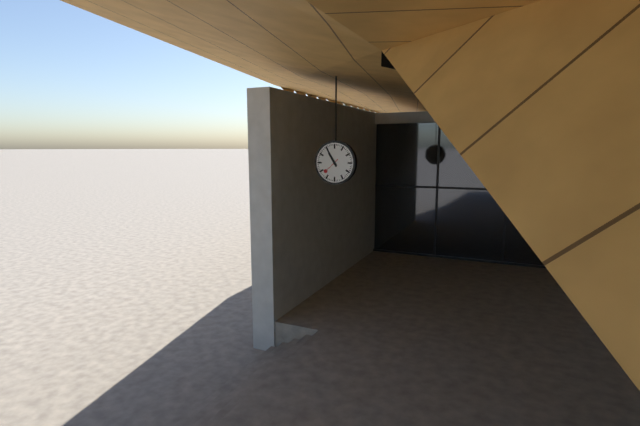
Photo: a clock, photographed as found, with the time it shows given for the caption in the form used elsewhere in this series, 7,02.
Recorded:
10,55
